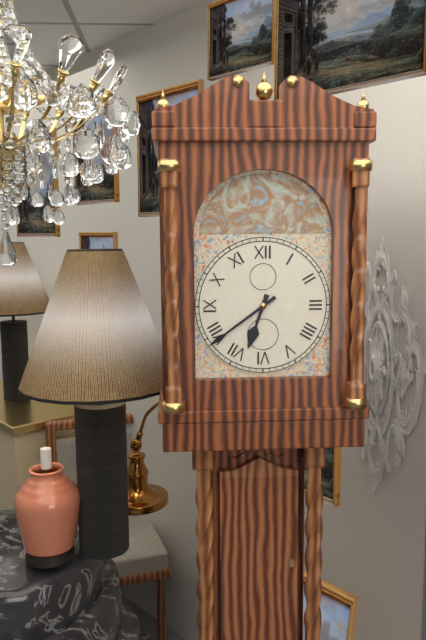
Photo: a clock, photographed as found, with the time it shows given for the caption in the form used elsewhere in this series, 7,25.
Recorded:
6,39
